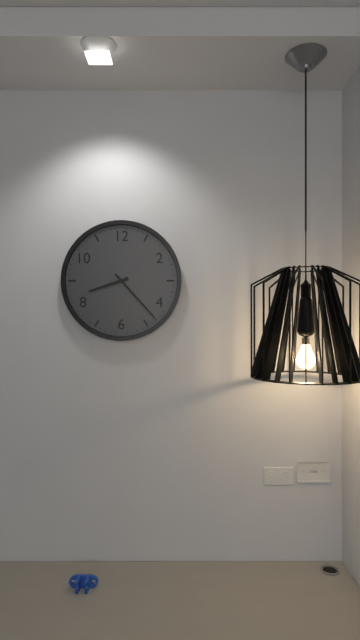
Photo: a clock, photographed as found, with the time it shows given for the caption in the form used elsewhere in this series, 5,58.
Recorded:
8,23
